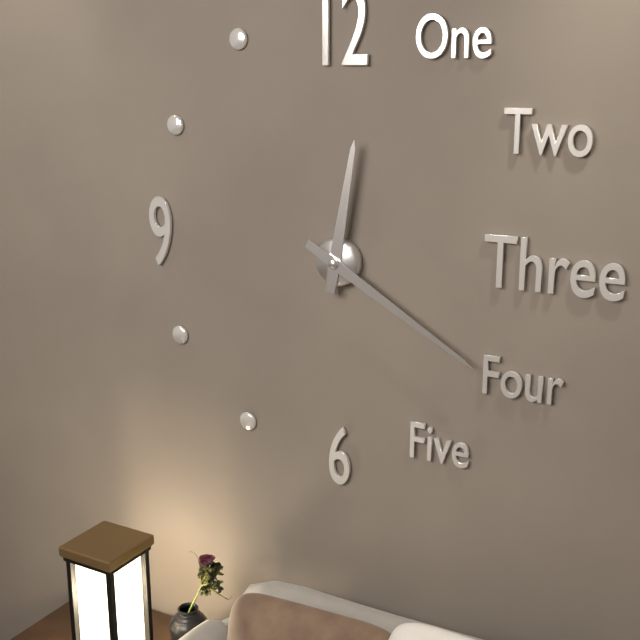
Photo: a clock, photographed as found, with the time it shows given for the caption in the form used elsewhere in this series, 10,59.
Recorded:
12,20
